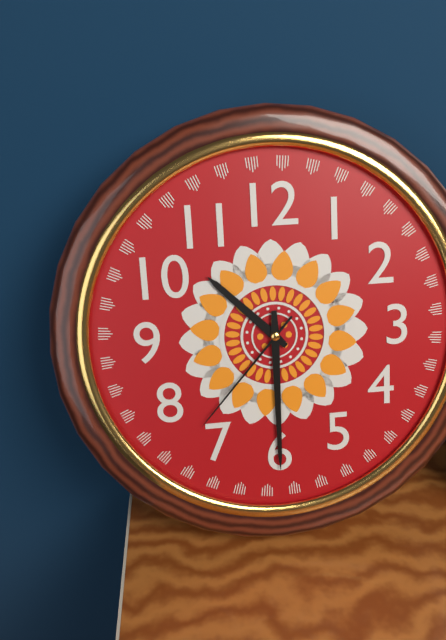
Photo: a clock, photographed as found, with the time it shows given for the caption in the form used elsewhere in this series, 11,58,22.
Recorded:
10,30,37
